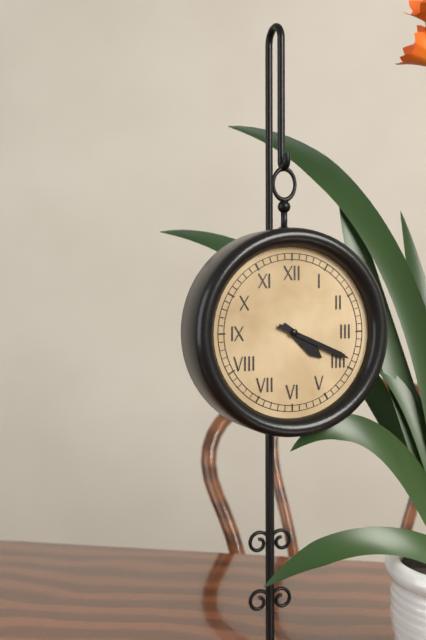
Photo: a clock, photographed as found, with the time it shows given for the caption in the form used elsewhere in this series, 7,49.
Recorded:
4,19
